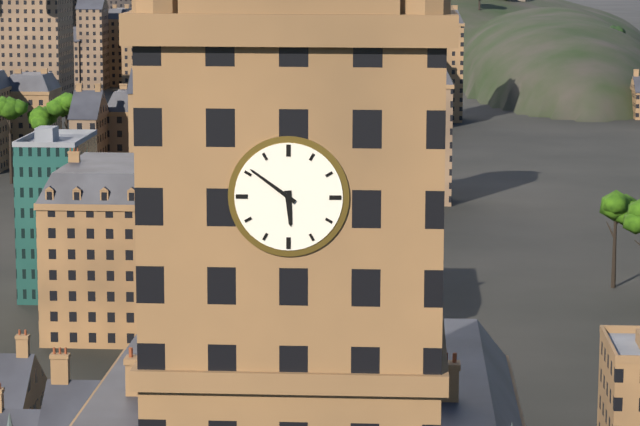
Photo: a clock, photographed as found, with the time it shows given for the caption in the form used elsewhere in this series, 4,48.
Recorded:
5,51
